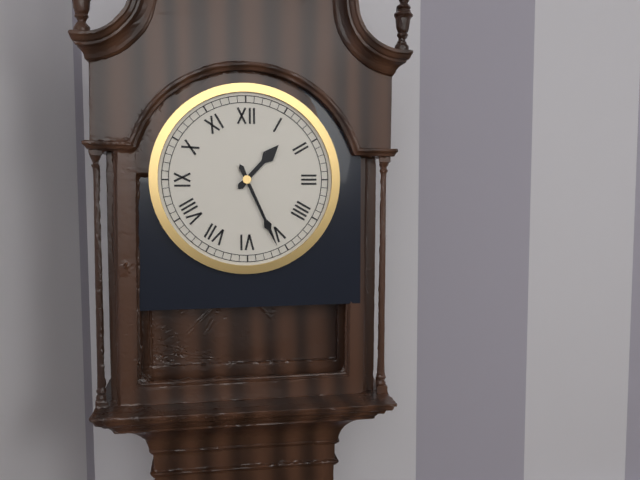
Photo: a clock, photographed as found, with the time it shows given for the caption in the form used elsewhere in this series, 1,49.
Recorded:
1,26
